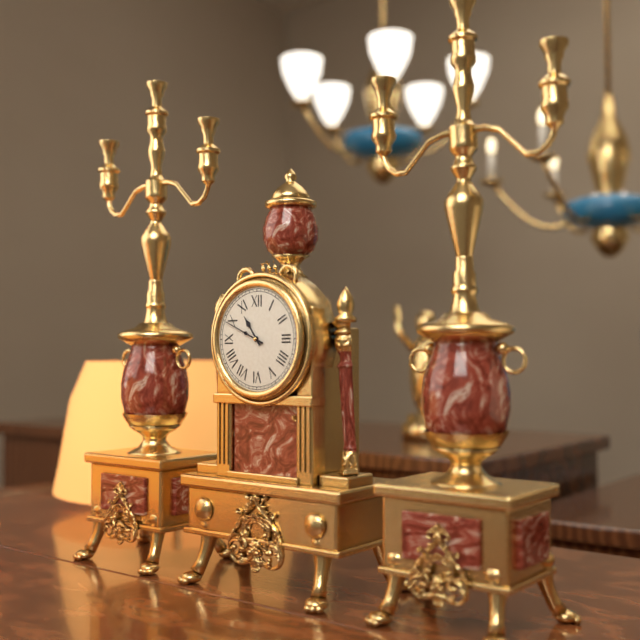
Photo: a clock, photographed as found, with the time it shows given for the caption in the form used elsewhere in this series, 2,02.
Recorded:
10,49
